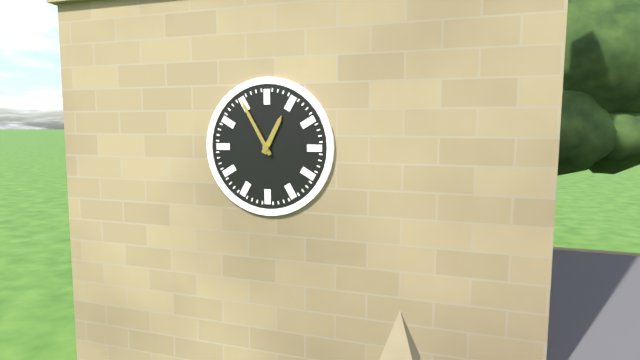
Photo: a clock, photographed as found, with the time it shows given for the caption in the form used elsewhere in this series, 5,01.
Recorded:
12,55
